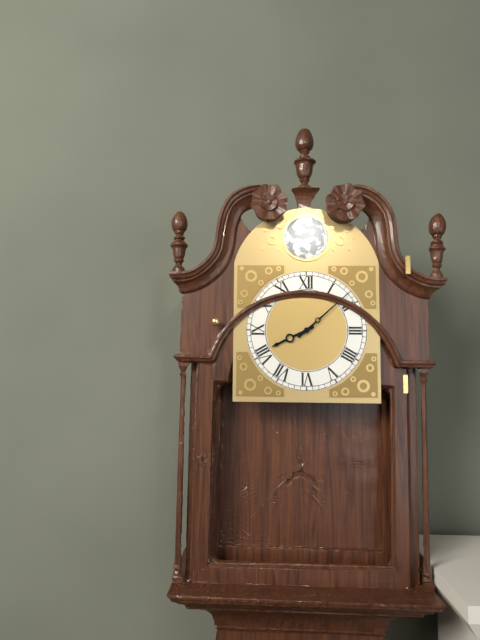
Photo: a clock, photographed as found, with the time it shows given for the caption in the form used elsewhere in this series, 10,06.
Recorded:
8,08
